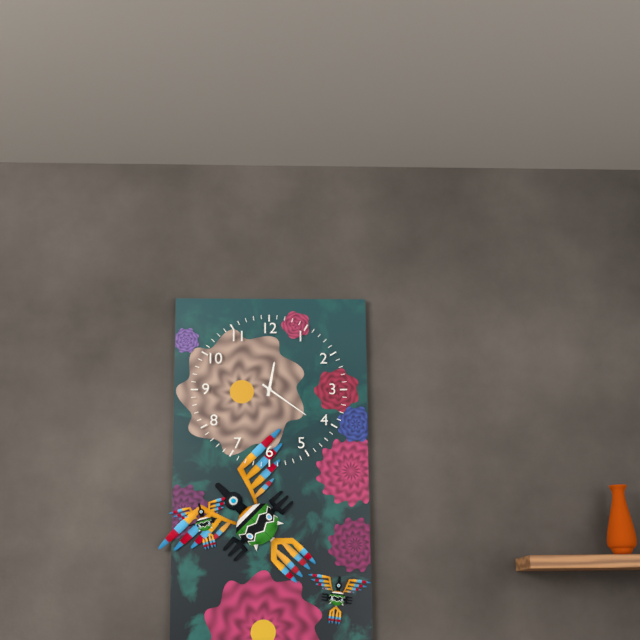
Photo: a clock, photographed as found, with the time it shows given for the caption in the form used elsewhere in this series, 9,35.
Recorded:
12,21
